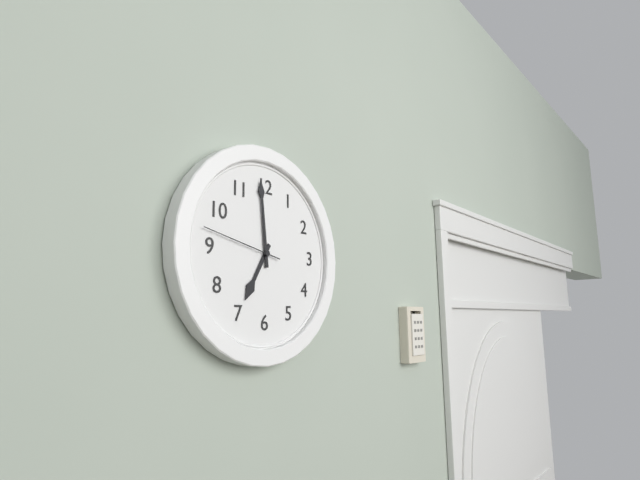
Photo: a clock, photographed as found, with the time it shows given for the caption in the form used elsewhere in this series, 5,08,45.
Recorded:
6,59,47
